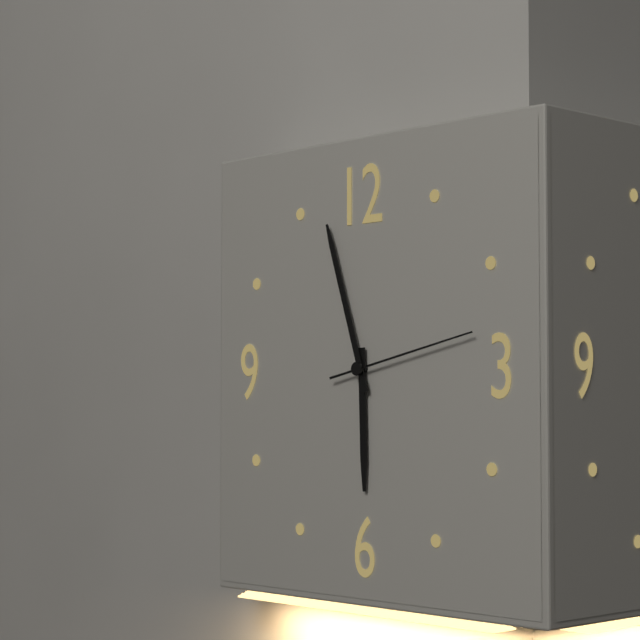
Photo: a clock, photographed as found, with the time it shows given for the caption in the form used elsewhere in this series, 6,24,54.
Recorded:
5,57,13
